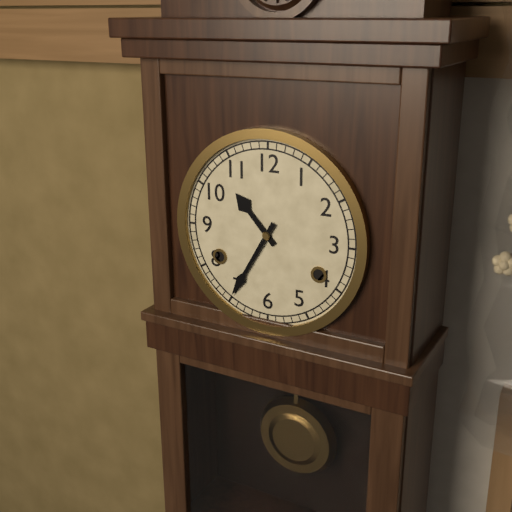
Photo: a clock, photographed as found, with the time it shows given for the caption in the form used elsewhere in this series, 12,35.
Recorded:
10,35
